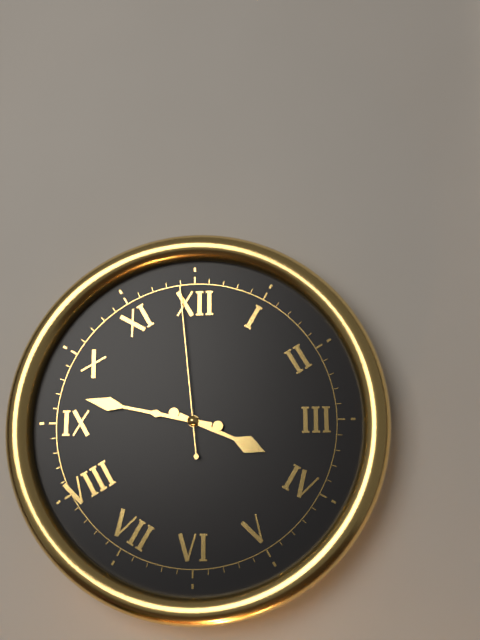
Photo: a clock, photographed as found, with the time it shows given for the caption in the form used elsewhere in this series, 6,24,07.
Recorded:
3,47,59
